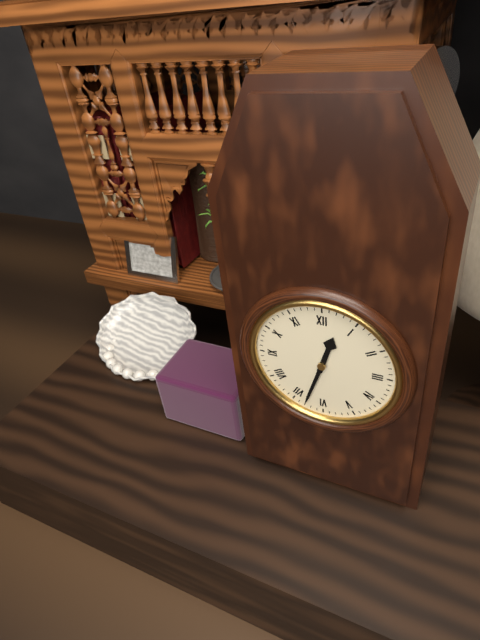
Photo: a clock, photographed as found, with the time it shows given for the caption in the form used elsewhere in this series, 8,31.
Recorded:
12,33
